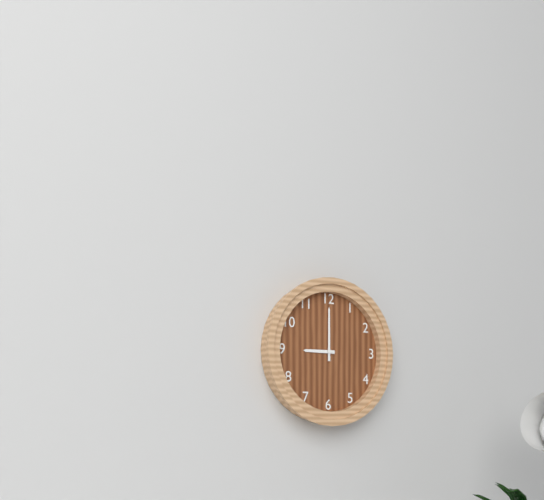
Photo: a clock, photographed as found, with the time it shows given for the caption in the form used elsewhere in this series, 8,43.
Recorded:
9,00
